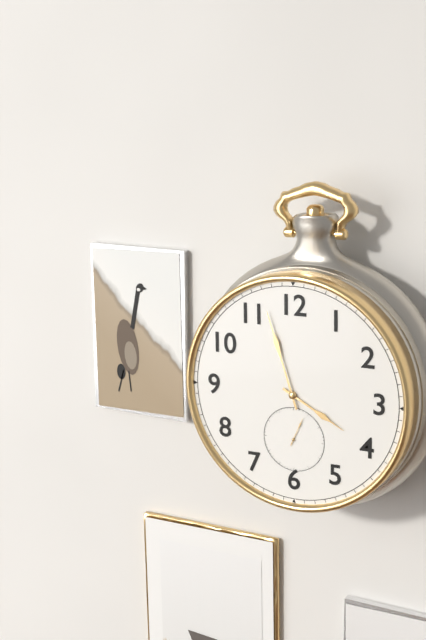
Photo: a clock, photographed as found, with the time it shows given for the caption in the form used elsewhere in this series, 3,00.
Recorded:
3,57
